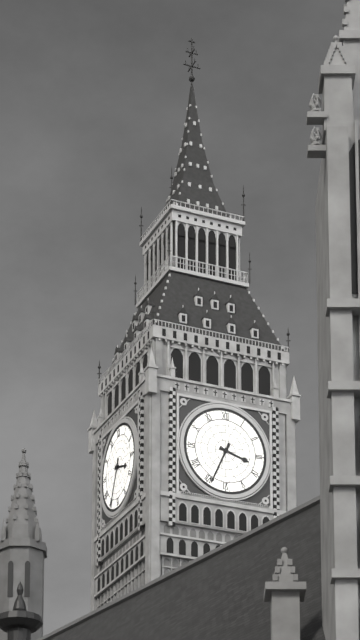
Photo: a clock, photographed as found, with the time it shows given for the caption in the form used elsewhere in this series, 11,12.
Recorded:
3,34
